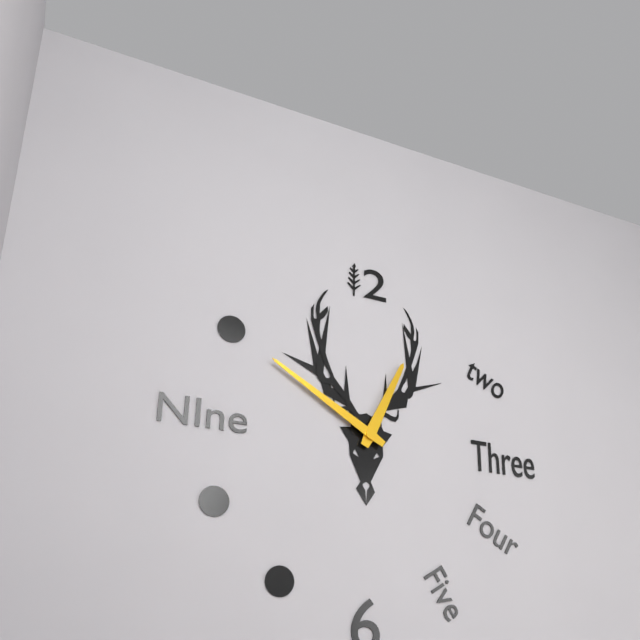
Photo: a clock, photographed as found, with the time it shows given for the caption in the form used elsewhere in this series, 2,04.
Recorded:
12,50
